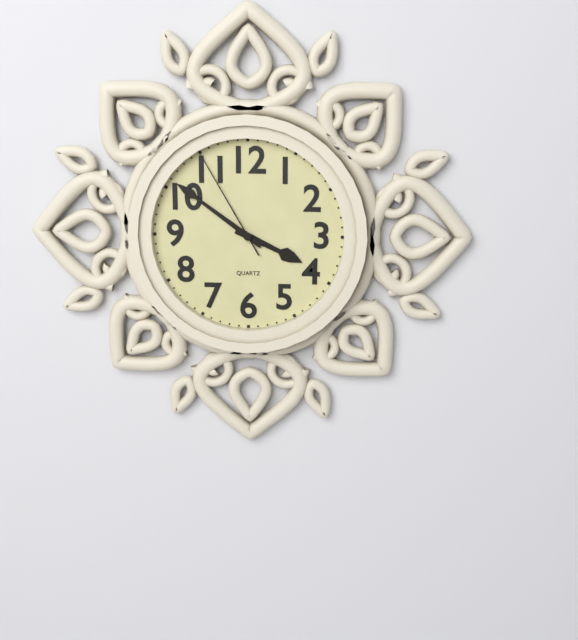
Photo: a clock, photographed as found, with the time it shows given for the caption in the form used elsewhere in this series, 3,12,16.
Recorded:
3,51,55
